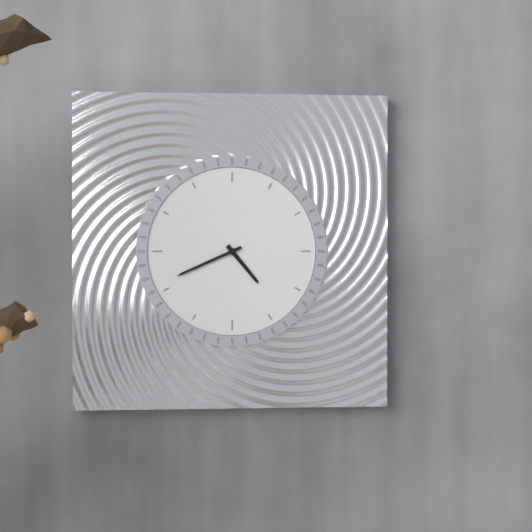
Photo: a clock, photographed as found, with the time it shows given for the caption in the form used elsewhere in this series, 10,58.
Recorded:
4,41
